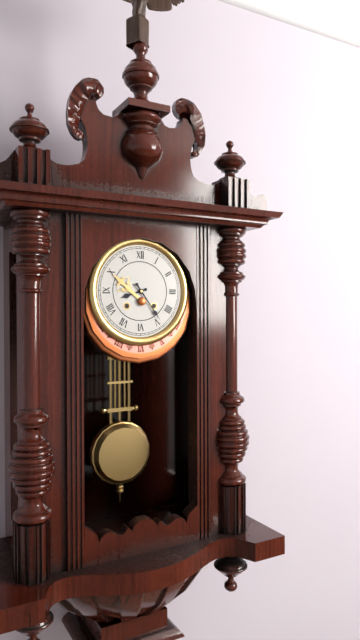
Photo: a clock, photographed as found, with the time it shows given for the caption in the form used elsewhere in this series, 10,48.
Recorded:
8,24
